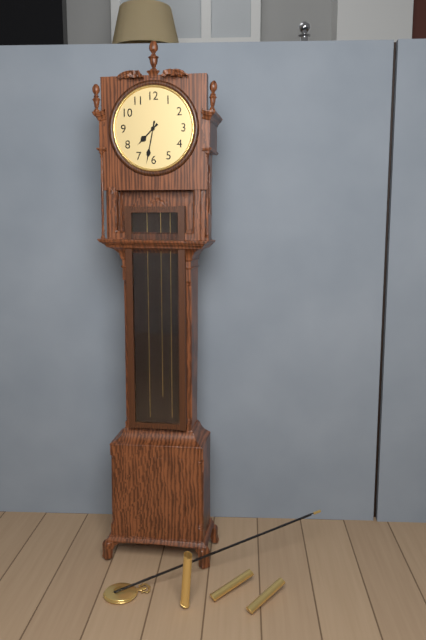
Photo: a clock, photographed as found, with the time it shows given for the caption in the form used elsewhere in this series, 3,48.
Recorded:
7,32
